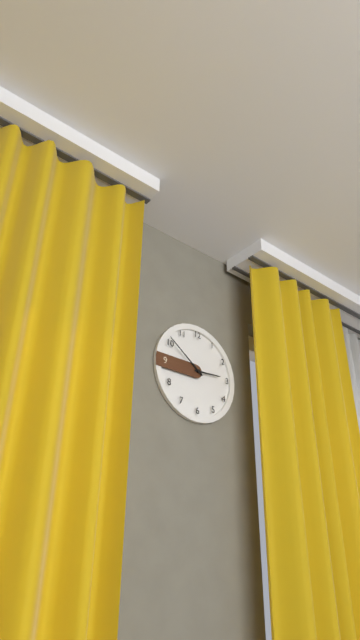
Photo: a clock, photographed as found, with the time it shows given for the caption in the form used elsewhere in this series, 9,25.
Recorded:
2,51
